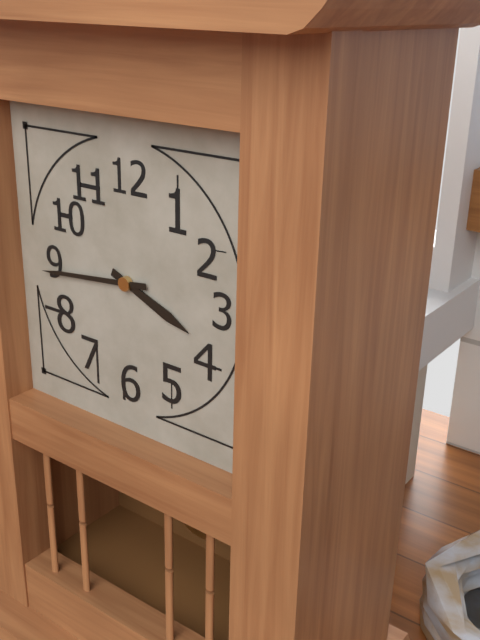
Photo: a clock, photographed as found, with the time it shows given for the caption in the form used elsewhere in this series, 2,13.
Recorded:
3,44
